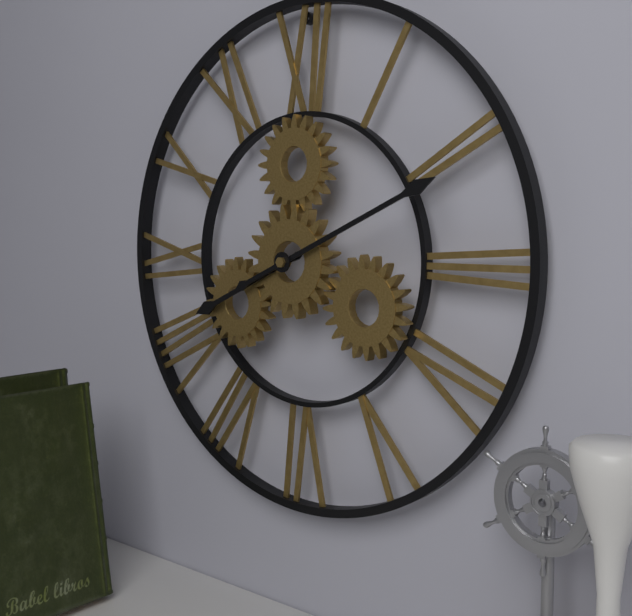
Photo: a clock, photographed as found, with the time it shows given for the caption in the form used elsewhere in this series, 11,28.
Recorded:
8,11
